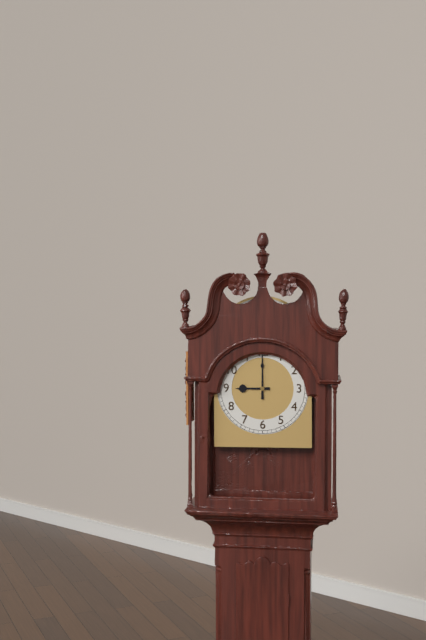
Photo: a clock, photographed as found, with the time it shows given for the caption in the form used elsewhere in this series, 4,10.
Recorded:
9,00
